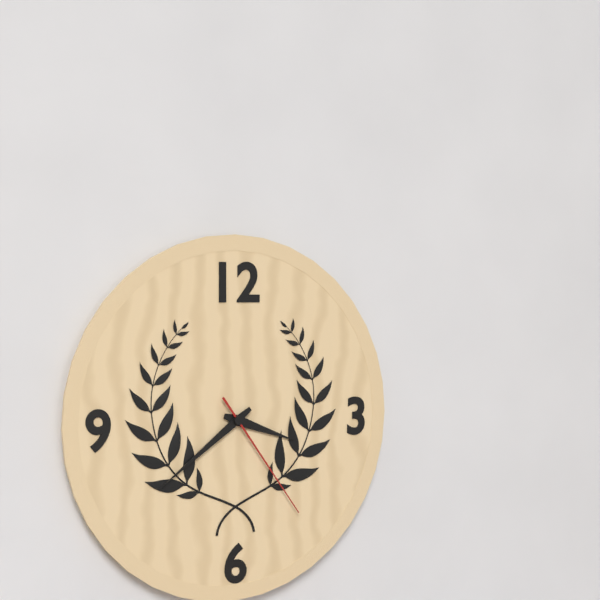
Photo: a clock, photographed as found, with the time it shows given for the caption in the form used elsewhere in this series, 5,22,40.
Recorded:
3,39,24
